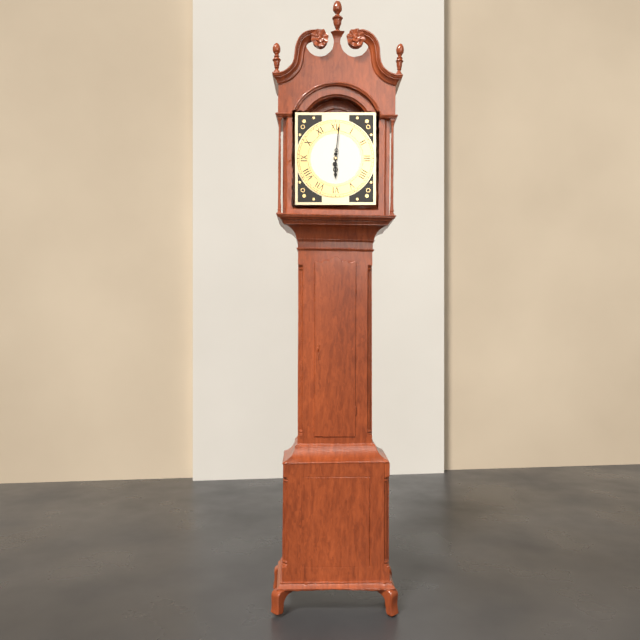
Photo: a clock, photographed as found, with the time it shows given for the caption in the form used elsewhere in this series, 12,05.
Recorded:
6,01
